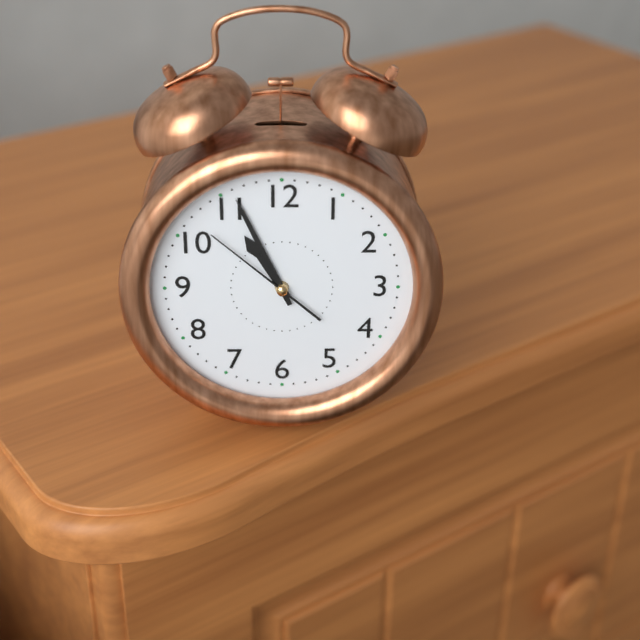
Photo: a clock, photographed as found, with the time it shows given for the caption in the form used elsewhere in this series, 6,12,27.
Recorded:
10,56,52
